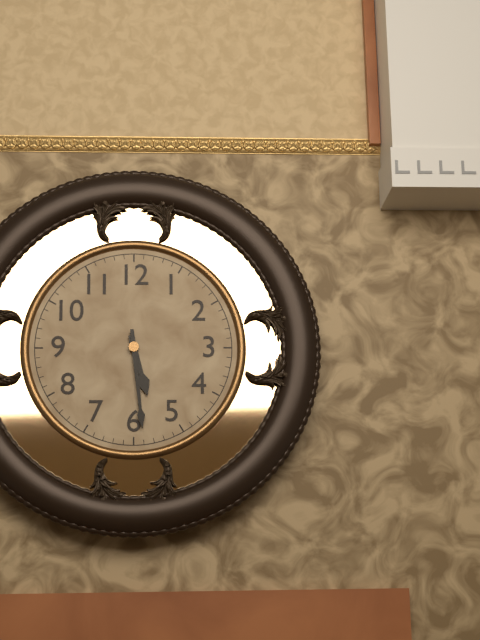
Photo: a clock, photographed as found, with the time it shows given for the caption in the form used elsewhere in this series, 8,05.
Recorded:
5,29
